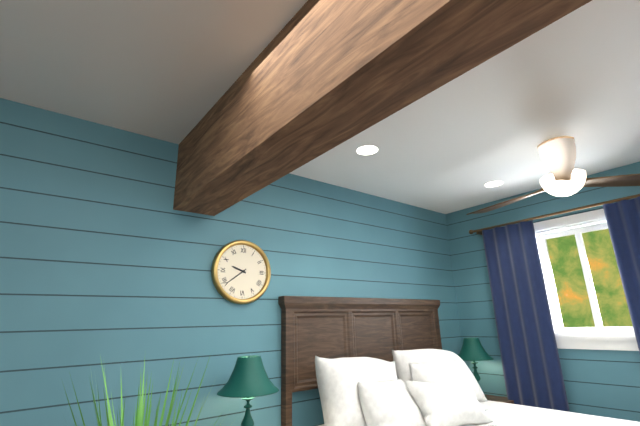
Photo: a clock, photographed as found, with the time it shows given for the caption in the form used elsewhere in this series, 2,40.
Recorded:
9,39
